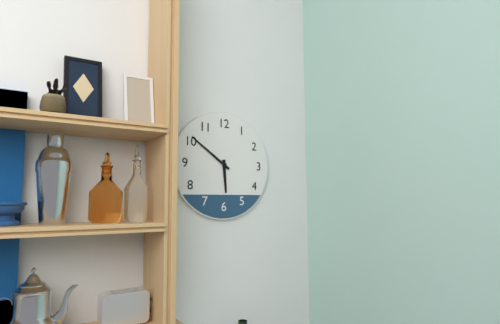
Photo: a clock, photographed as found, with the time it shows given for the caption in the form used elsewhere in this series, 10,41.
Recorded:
5,51
